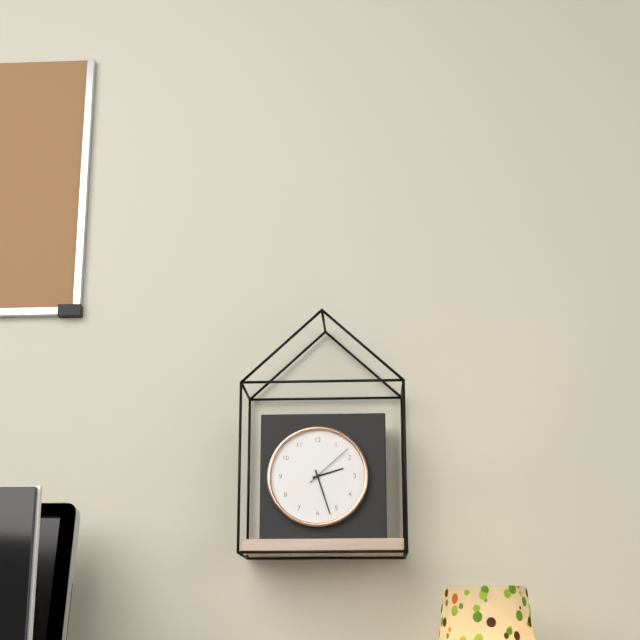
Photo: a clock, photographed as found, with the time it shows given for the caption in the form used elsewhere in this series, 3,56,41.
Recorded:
2,27,08
